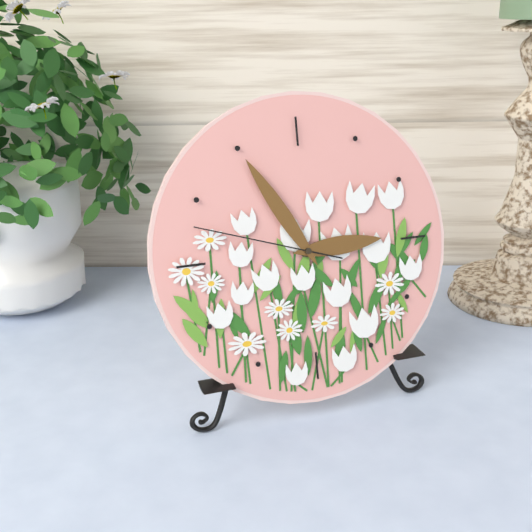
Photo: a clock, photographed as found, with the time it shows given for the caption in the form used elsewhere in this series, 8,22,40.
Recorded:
2,55,48
